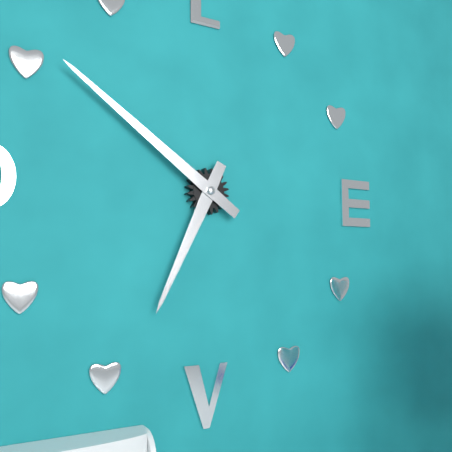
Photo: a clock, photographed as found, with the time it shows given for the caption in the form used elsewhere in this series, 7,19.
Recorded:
6,51
